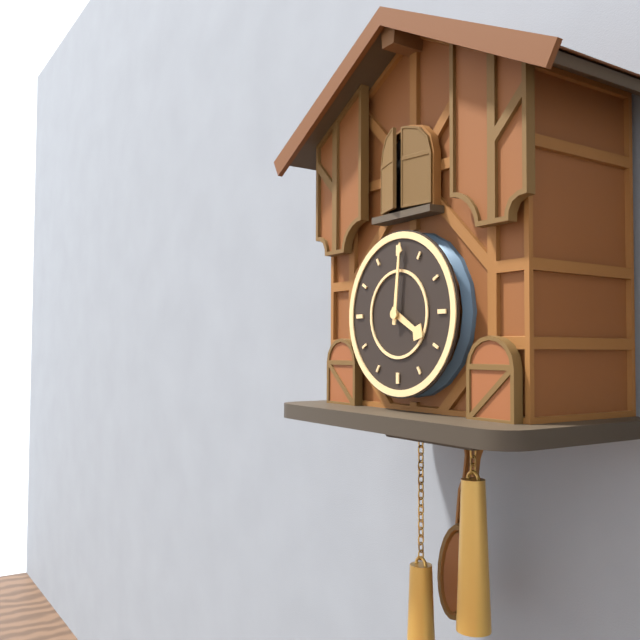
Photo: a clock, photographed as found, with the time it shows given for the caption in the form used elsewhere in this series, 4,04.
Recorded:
4,01
